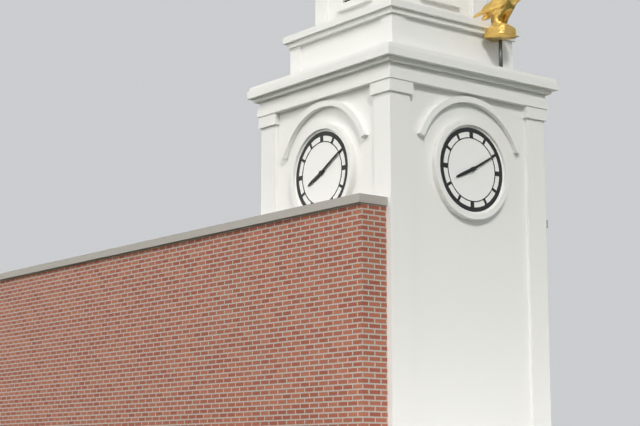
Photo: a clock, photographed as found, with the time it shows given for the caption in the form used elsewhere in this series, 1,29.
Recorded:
8,10
